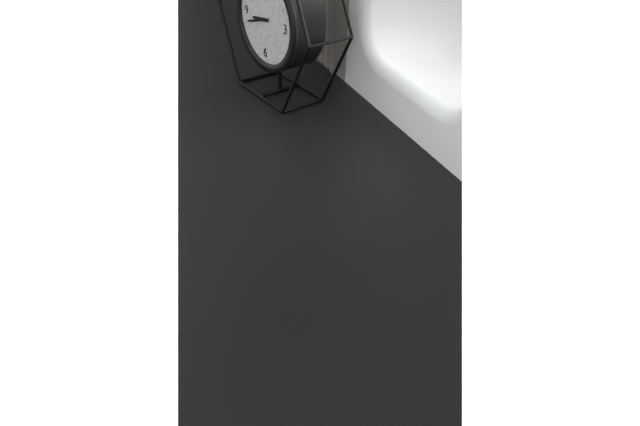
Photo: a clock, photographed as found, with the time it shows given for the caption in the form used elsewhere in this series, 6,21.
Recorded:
8,42
